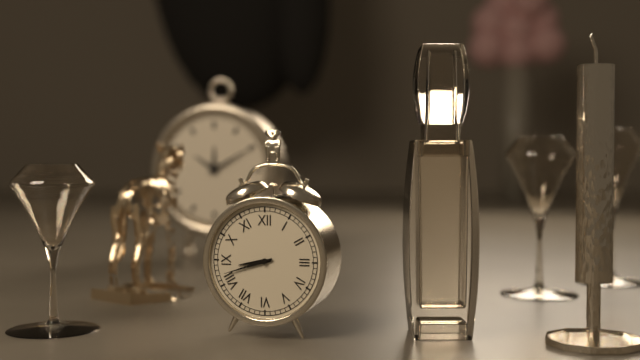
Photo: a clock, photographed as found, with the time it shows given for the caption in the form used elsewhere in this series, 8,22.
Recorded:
8,42
